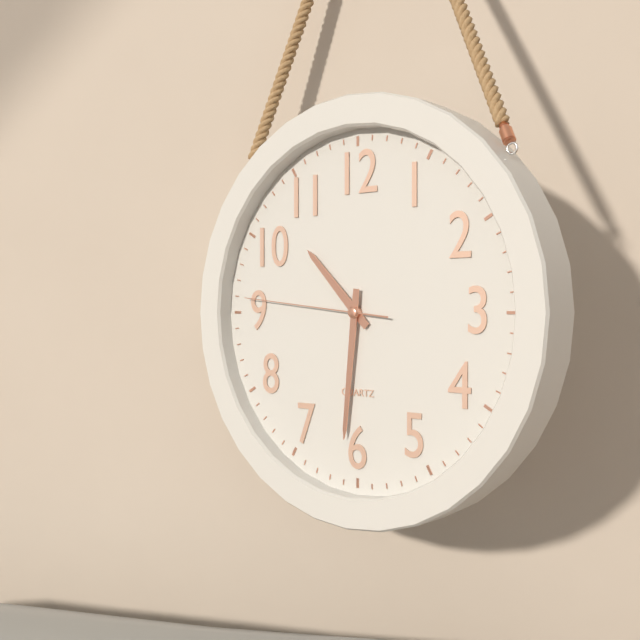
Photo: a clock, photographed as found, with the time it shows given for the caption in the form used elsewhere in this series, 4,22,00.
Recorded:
10,31,46
